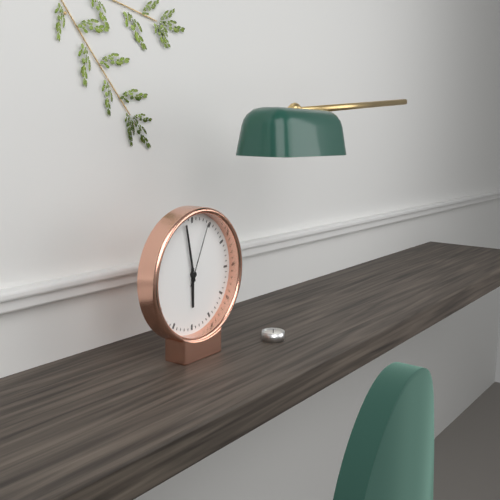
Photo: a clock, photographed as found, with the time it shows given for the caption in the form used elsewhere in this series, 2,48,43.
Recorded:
5,58,04
